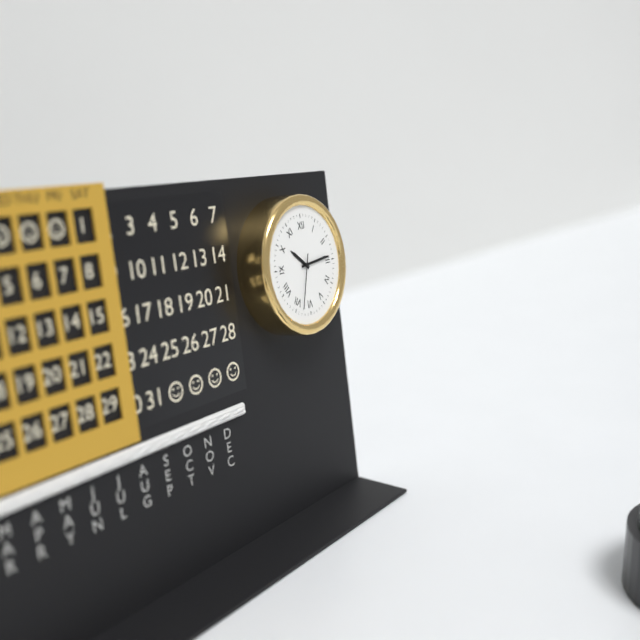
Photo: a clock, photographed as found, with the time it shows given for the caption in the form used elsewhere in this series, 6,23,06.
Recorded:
10,14,33
